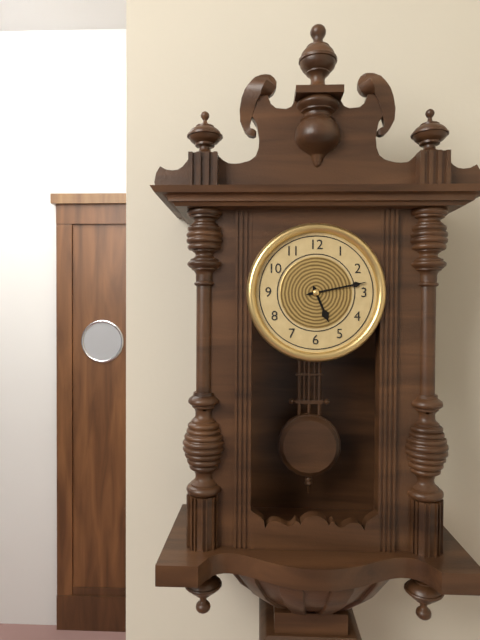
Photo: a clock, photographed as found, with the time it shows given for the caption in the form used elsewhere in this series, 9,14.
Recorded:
5,13
